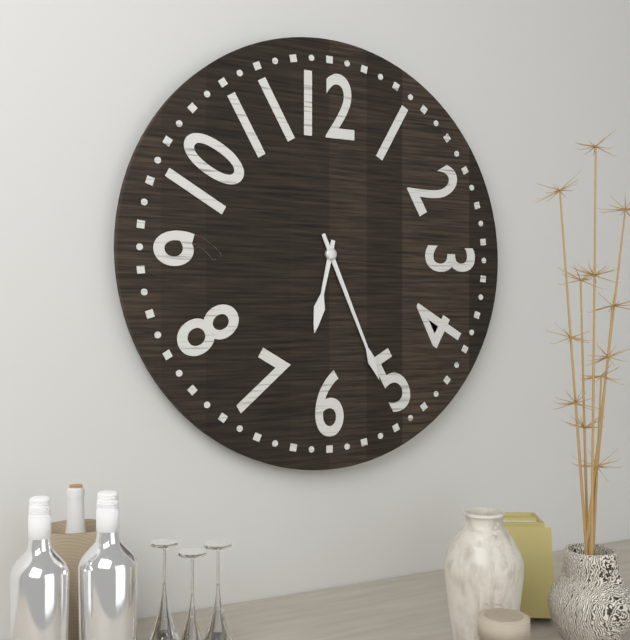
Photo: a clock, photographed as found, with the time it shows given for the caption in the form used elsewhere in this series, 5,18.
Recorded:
6,26
